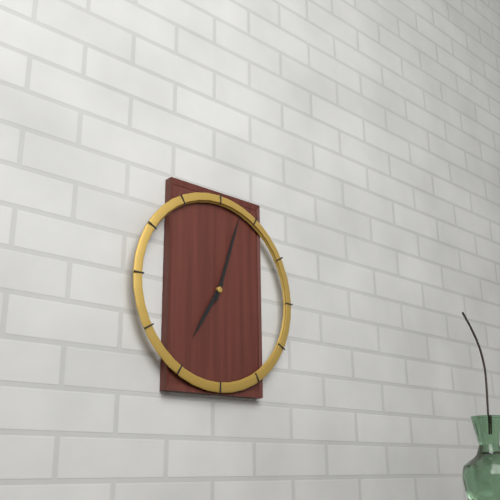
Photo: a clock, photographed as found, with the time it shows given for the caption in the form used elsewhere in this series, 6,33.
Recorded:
7,03
